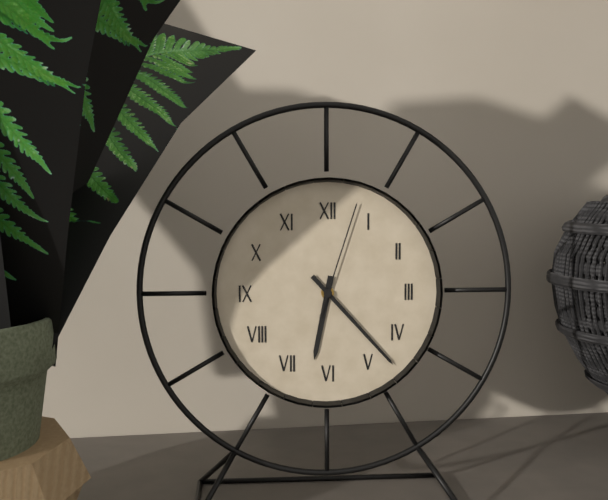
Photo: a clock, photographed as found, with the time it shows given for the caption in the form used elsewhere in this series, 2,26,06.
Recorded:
6,23,03
